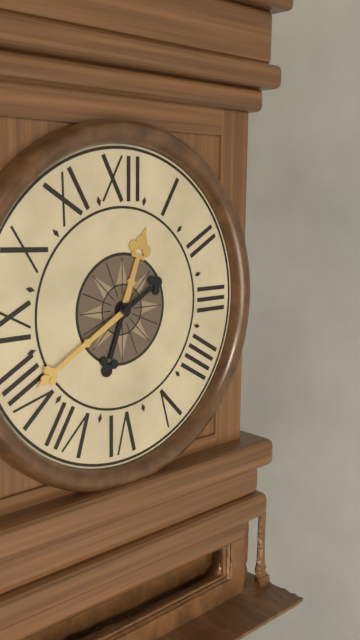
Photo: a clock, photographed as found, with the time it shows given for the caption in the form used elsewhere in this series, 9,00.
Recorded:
12,40
